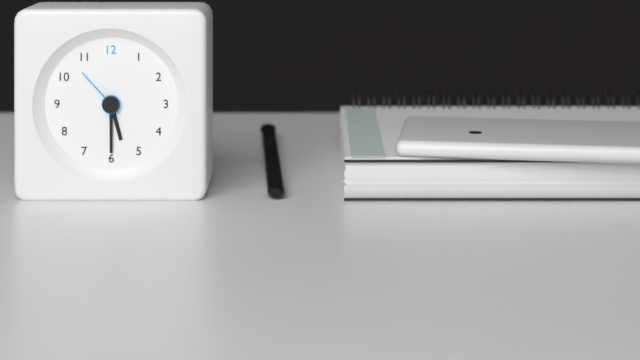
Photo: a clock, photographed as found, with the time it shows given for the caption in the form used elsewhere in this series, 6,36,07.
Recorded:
5,30,53
